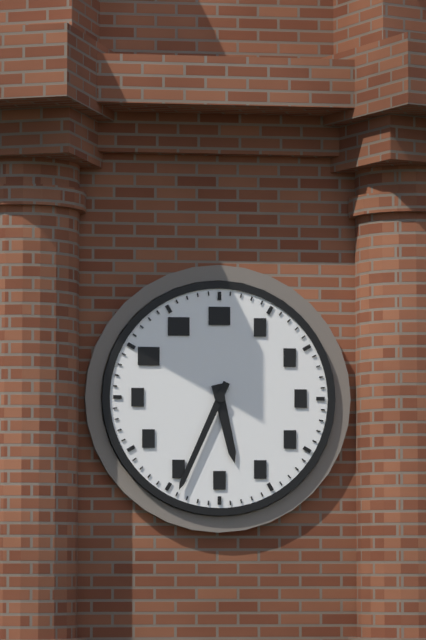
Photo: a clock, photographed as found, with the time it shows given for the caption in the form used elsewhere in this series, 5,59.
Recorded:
5,34
